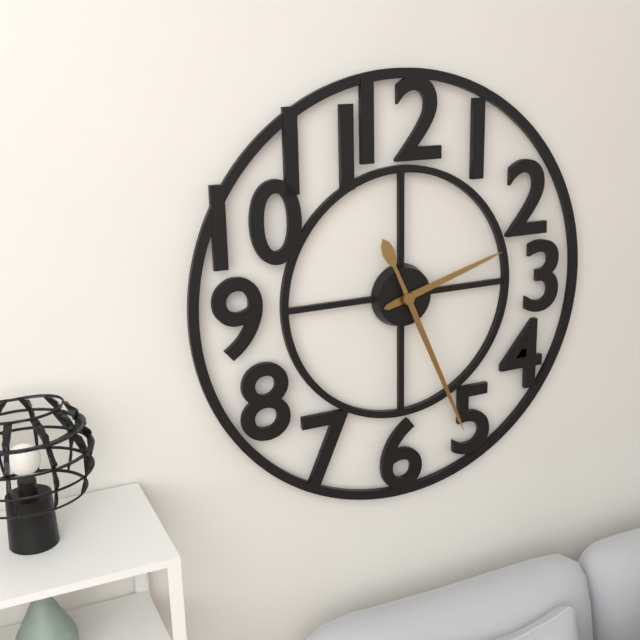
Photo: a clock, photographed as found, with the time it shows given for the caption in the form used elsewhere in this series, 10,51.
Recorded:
2,26
